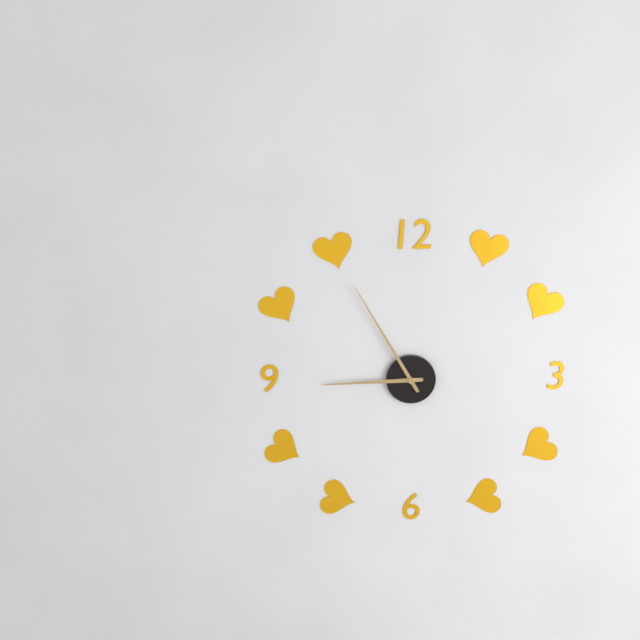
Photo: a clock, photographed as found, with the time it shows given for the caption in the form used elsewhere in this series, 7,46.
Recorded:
8,55
